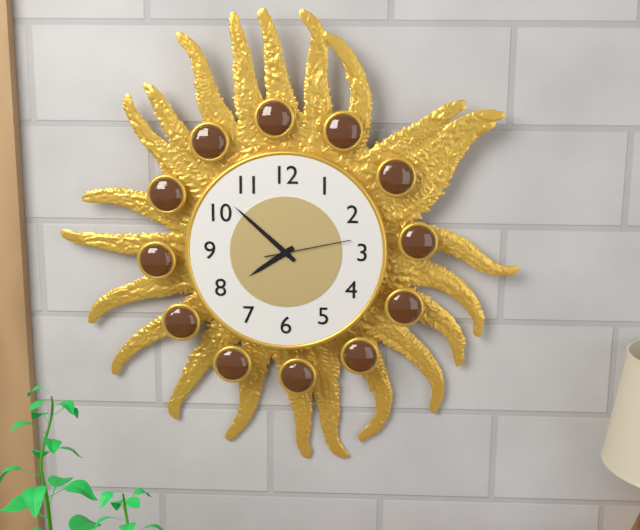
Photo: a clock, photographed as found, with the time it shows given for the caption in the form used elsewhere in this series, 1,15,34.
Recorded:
7,52,13
